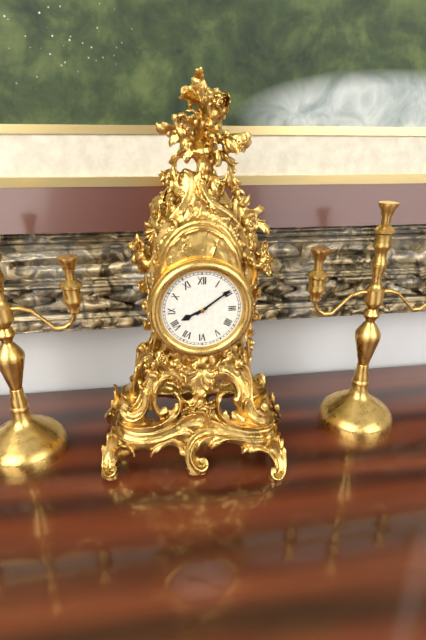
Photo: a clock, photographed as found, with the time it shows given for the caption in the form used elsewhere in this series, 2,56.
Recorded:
8,09
